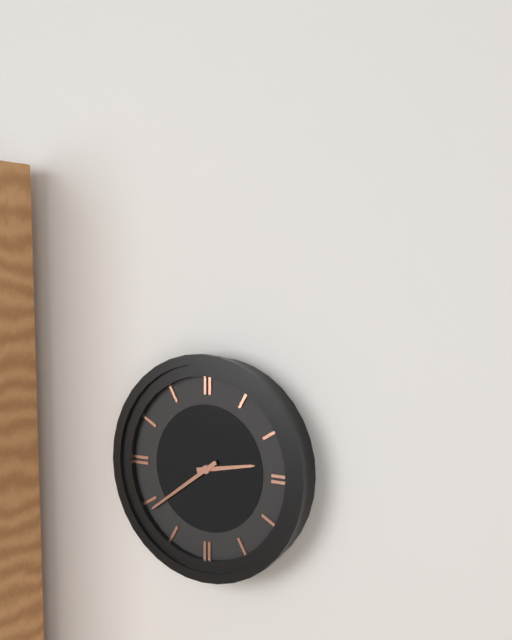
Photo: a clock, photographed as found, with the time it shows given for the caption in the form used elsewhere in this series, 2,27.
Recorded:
2,39
